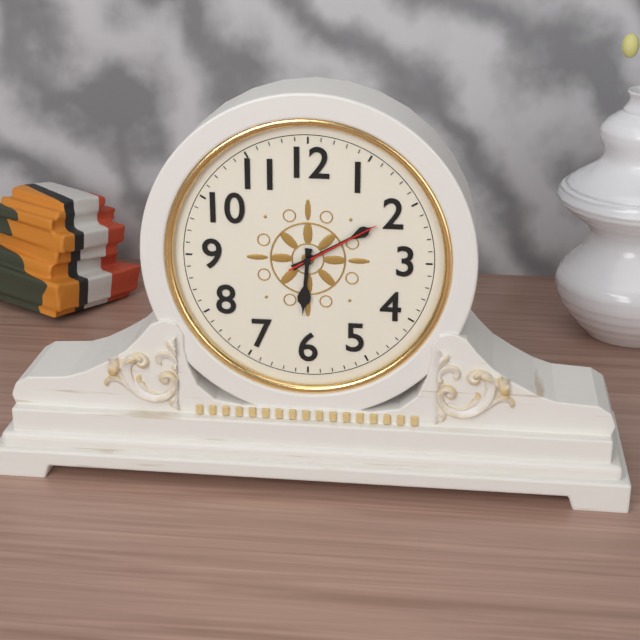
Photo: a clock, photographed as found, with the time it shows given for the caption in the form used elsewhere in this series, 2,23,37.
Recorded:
6,10,10
